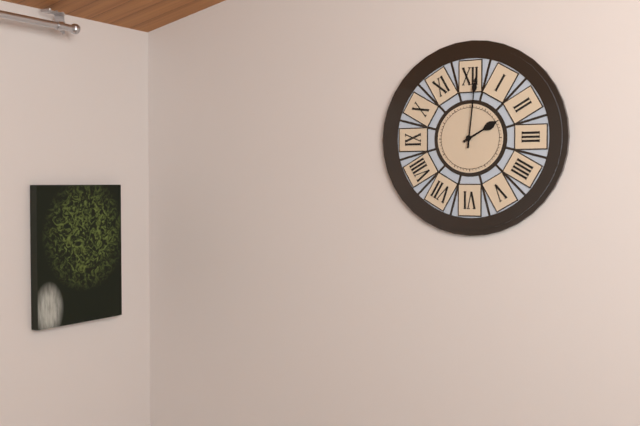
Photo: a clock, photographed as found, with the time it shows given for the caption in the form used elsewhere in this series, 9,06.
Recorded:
2,01
